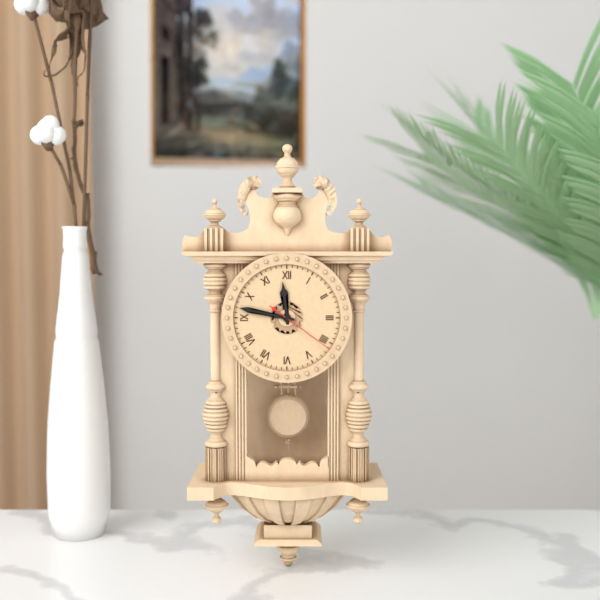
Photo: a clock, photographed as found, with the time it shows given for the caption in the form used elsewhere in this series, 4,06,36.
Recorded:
11,47,21
